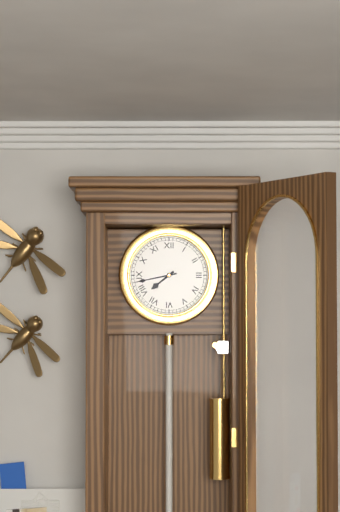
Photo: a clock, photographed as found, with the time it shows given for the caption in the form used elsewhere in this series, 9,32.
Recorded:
7,43
